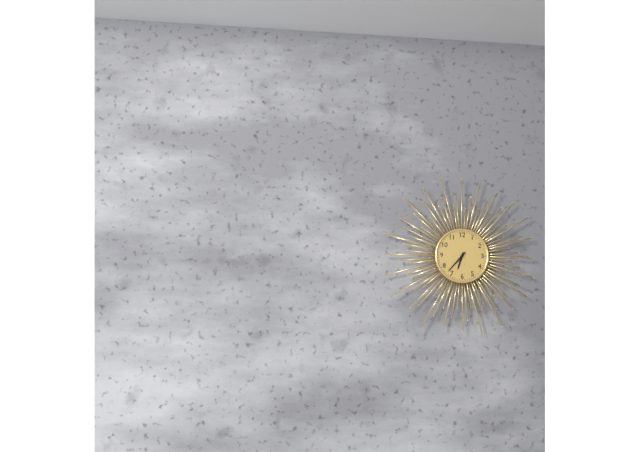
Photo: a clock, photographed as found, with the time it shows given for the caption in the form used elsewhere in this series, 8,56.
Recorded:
6,37
